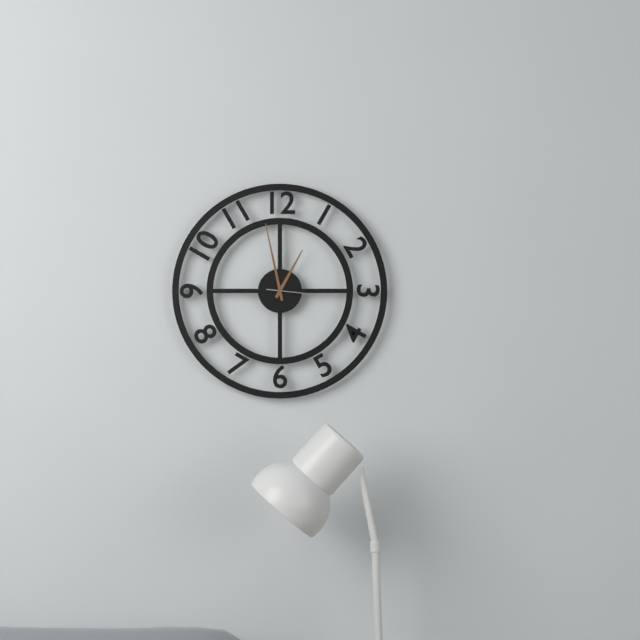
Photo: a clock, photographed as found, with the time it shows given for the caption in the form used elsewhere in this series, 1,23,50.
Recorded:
12,58,16
